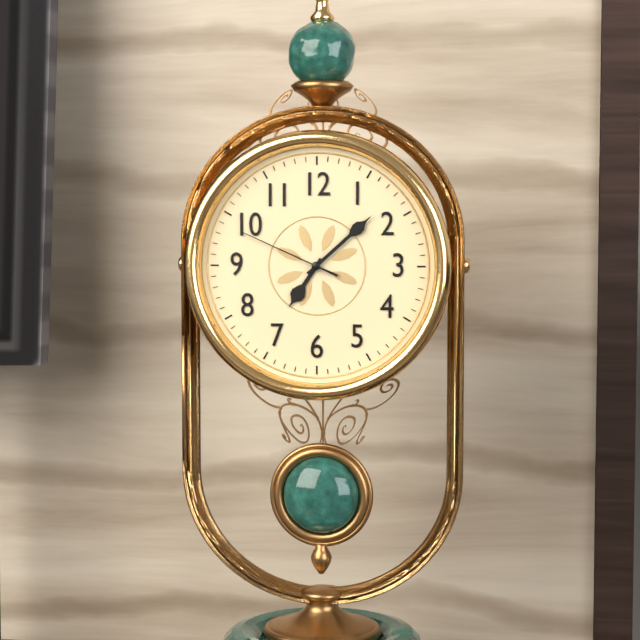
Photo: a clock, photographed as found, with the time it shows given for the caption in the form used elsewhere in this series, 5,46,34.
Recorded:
7,08,49
